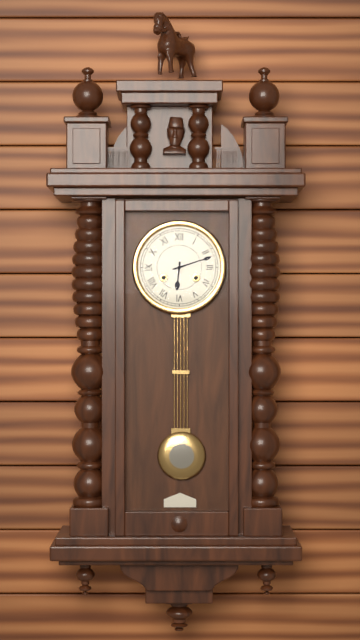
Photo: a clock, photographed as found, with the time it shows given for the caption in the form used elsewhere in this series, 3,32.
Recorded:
6,12
